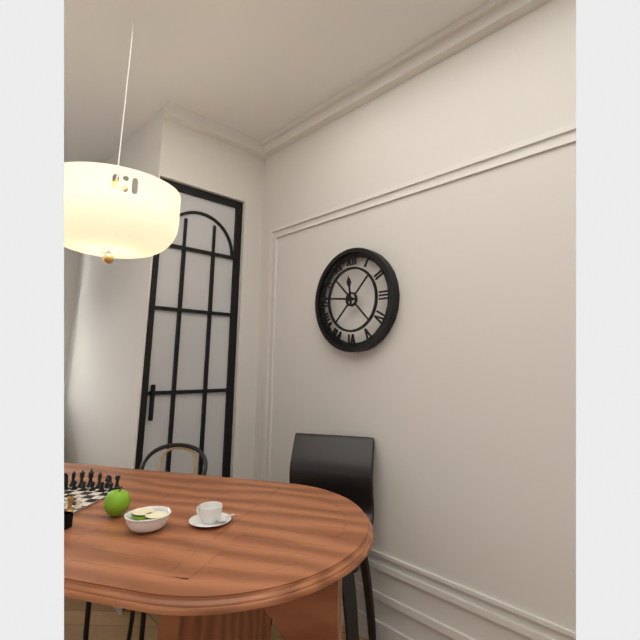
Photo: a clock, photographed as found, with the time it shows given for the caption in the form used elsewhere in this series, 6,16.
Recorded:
11,46
